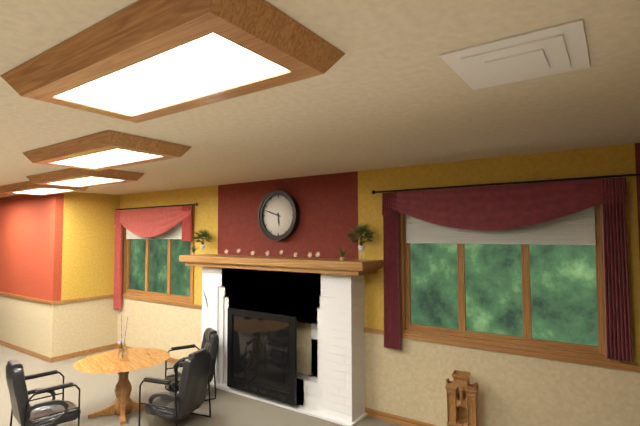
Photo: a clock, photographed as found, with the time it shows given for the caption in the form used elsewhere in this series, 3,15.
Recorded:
5,48
